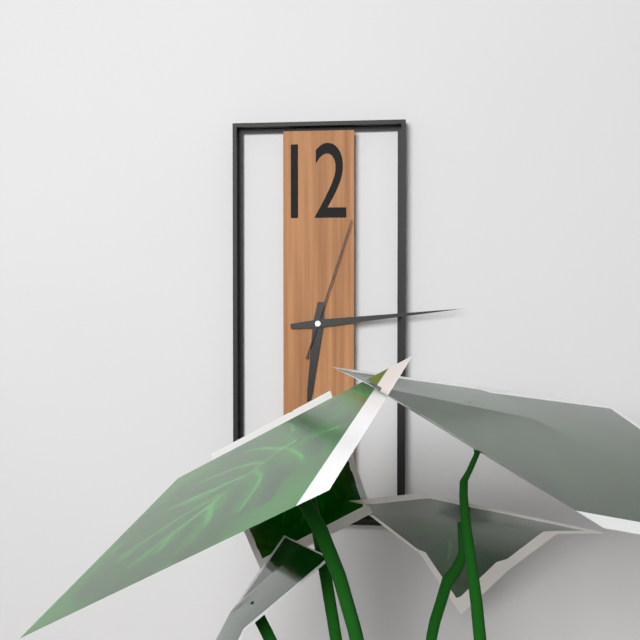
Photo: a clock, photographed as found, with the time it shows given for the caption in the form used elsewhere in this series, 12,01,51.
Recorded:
6,14,03
